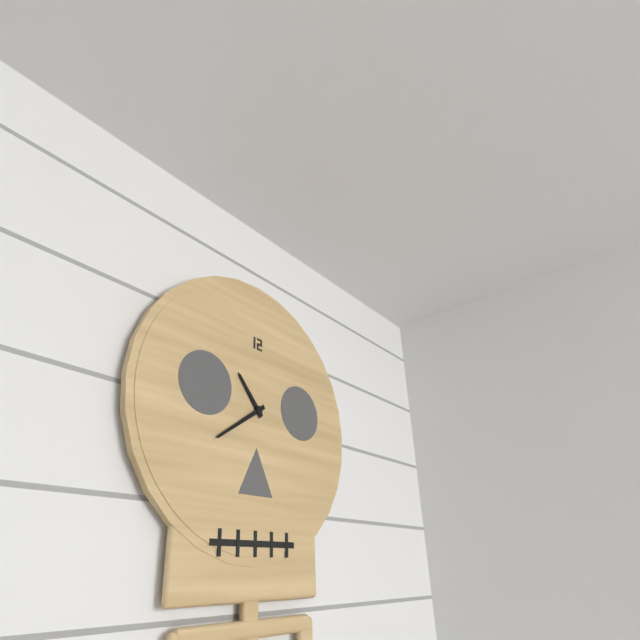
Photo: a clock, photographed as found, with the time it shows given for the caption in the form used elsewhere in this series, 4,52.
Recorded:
10,39
